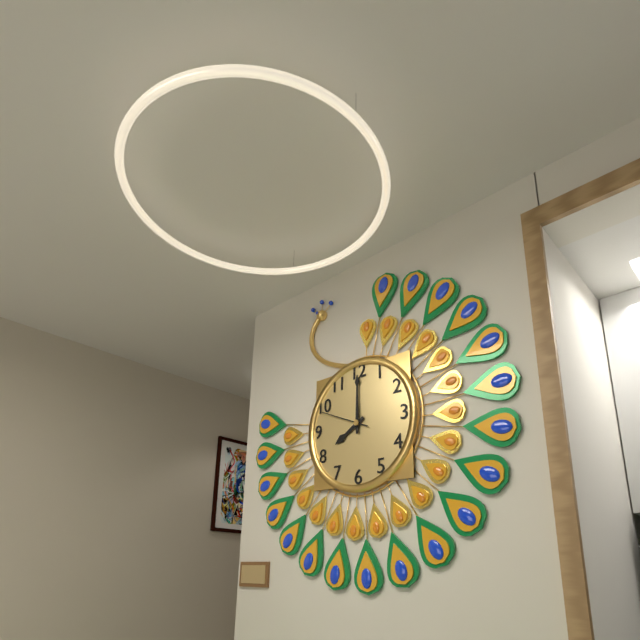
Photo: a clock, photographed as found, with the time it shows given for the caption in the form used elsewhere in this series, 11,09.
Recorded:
8,00
